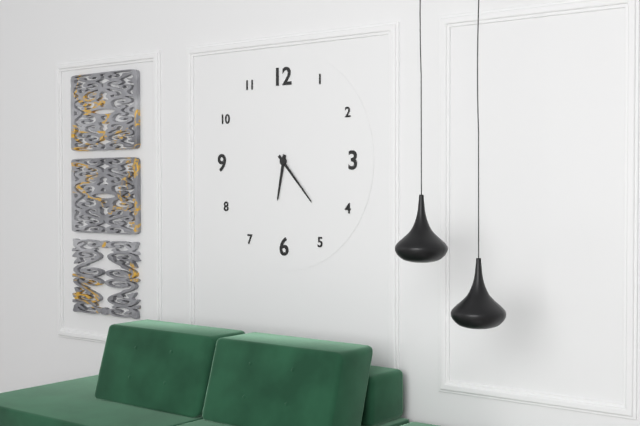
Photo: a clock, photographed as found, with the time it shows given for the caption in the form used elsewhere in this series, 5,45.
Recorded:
6,23
